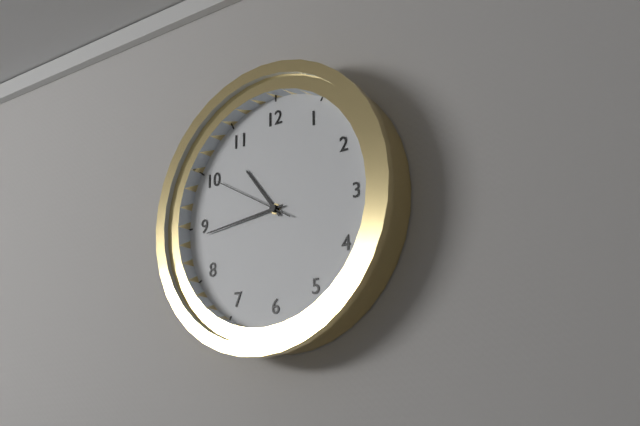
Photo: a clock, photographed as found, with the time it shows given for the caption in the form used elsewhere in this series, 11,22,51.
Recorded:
10,44,50
